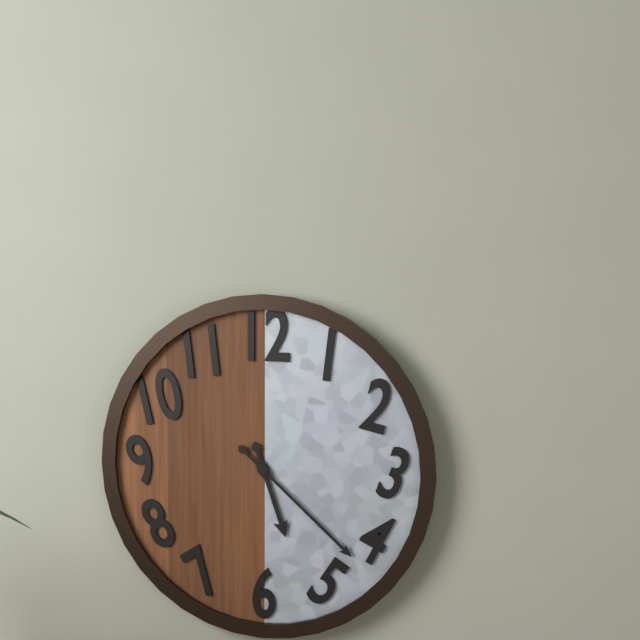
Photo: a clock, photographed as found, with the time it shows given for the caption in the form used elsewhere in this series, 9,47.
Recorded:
5,22
